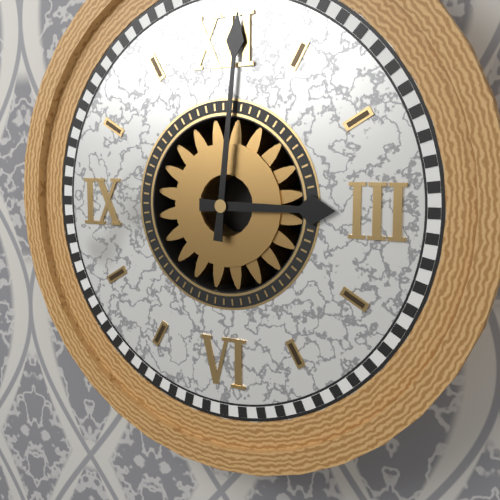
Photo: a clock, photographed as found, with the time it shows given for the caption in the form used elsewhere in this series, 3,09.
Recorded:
3,01
